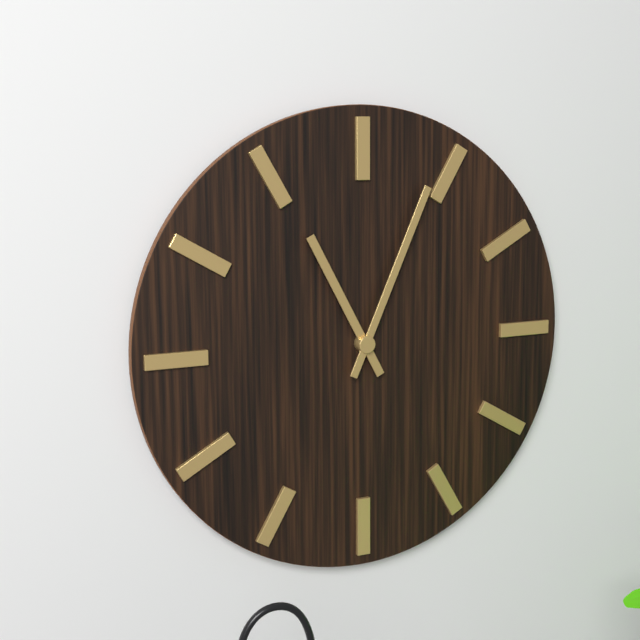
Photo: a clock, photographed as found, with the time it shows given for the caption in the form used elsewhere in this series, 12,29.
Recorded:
11,04
